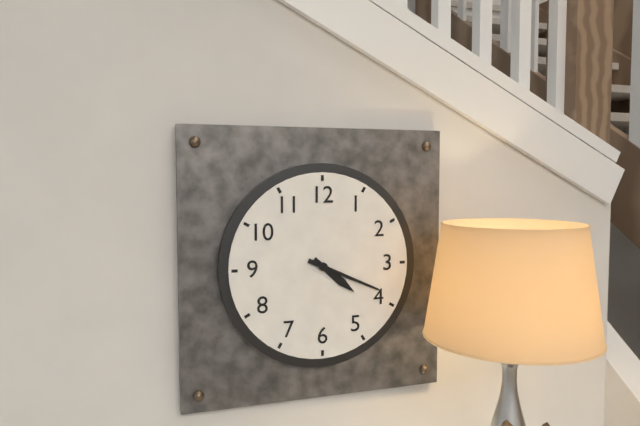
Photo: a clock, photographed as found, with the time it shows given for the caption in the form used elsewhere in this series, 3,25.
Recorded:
4,19
